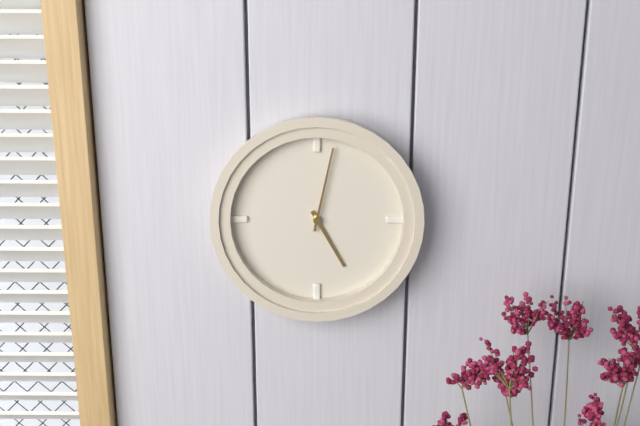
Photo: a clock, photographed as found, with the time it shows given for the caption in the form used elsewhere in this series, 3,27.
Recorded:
5,02
